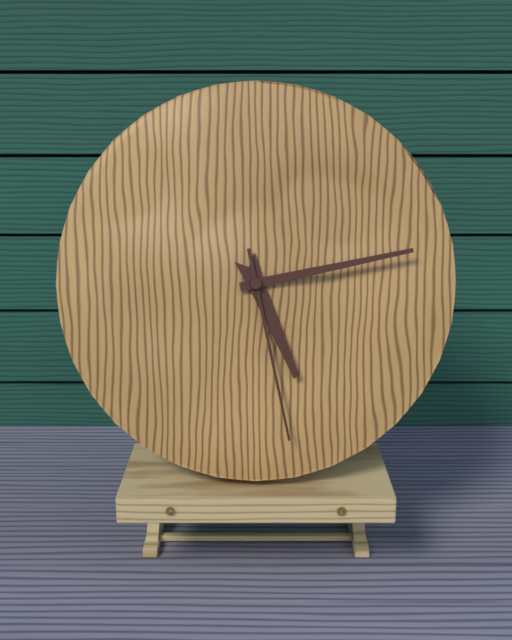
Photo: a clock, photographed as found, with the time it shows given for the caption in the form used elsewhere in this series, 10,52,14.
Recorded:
5,13,28
